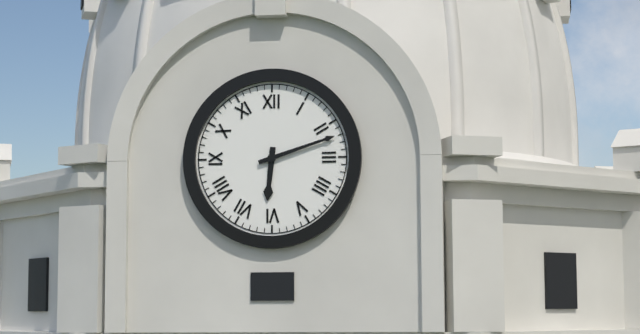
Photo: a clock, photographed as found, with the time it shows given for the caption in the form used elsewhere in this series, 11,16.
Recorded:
6,12
